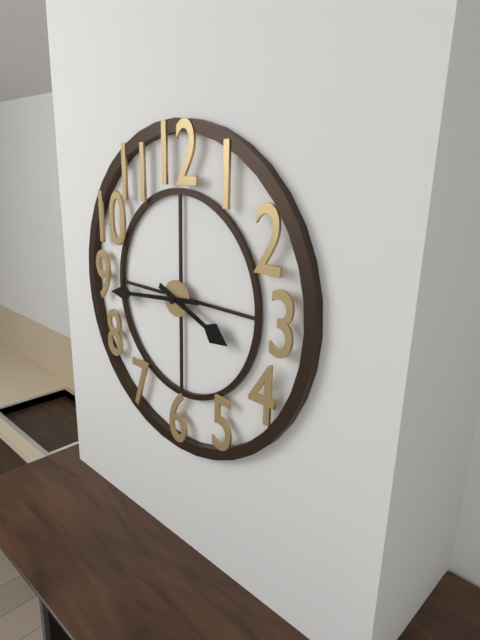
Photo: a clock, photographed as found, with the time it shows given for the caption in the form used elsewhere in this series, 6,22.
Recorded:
3,44
